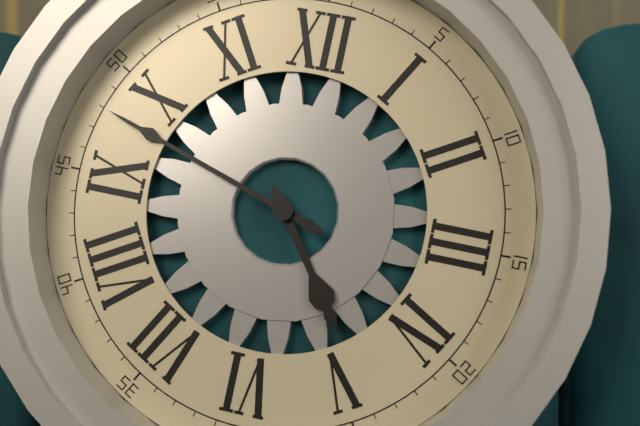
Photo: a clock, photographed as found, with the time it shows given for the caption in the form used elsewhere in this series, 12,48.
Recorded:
4,48
